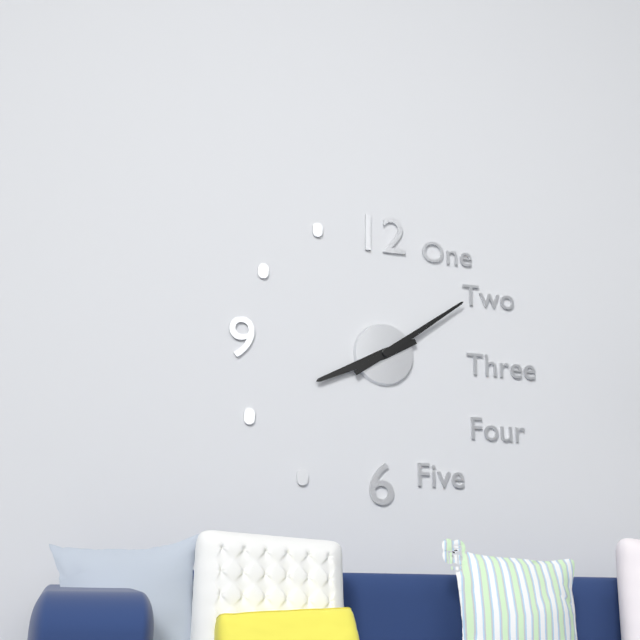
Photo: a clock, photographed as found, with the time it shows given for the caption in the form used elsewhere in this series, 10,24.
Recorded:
8,09
